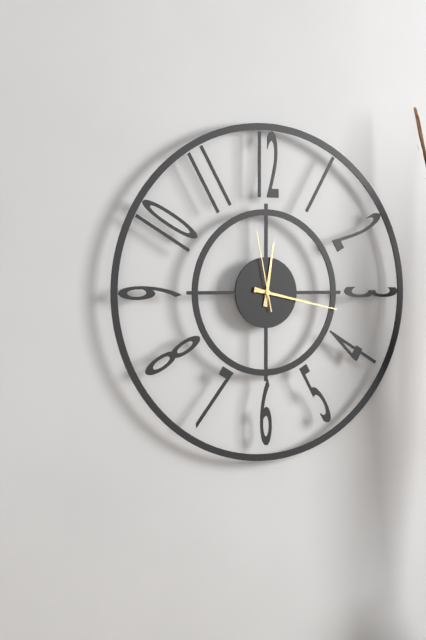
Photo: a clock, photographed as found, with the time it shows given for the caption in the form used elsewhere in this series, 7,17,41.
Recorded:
12,17,58
